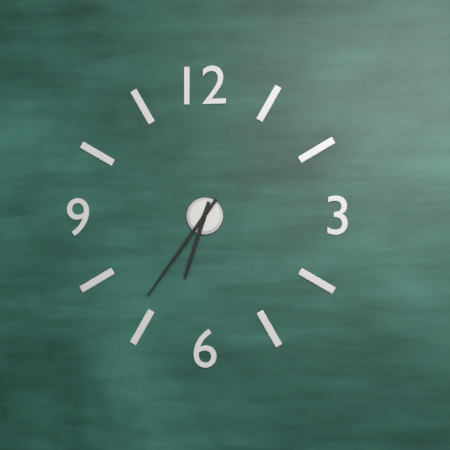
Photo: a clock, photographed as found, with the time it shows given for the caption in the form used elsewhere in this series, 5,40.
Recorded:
6,36
